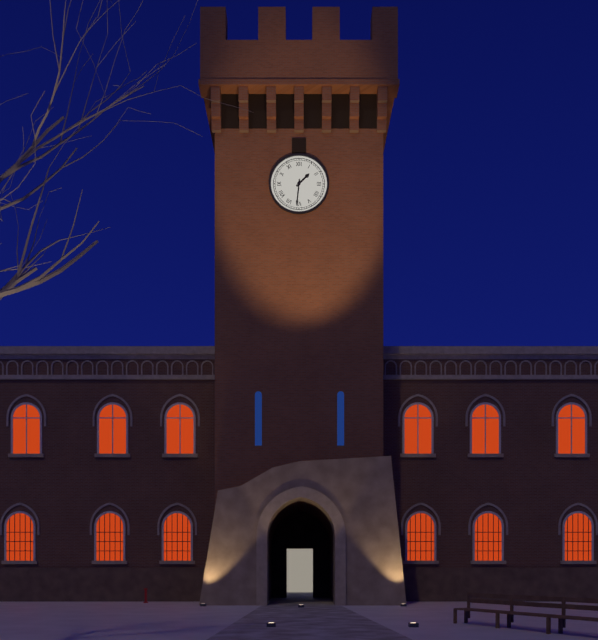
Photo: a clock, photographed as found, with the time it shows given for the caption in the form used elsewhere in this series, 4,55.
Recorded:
1,31
